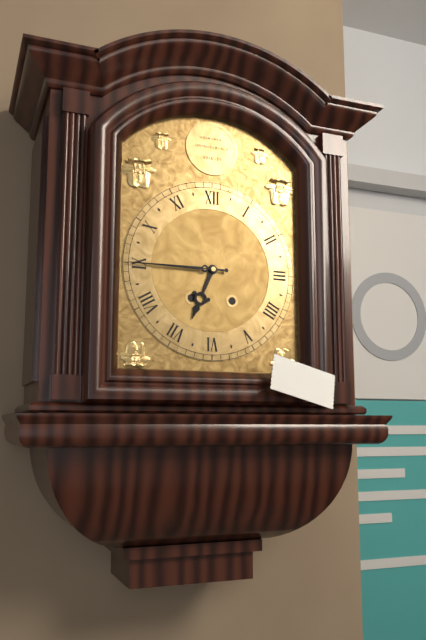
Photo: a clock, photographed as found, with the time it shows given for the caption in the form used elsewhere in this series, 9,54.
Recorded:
6,45
